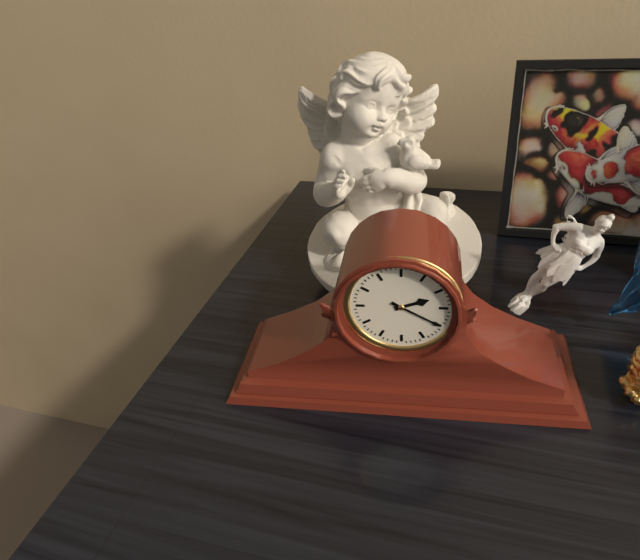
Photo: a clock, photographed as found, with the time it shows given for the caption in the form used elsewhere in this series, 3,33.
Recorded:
2,20
